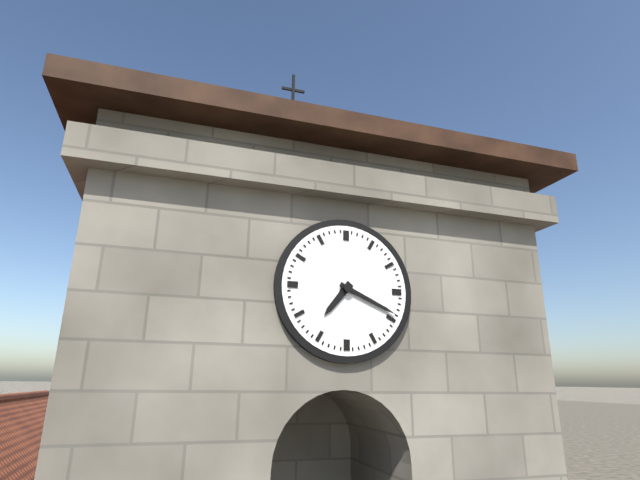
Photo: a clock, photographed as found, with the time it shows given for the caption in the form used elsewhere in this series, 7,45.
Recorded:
7,19
